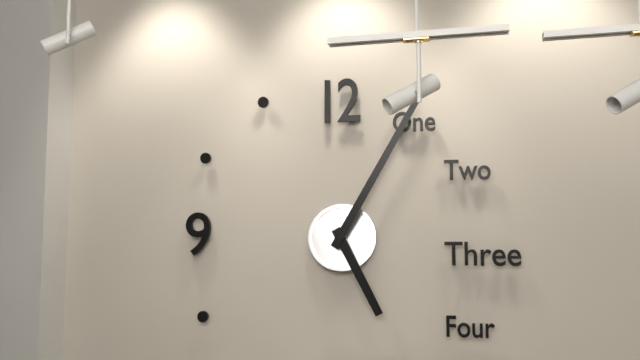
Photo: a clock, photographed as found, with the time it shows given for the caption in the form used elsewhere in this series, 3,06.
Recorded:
5,05
